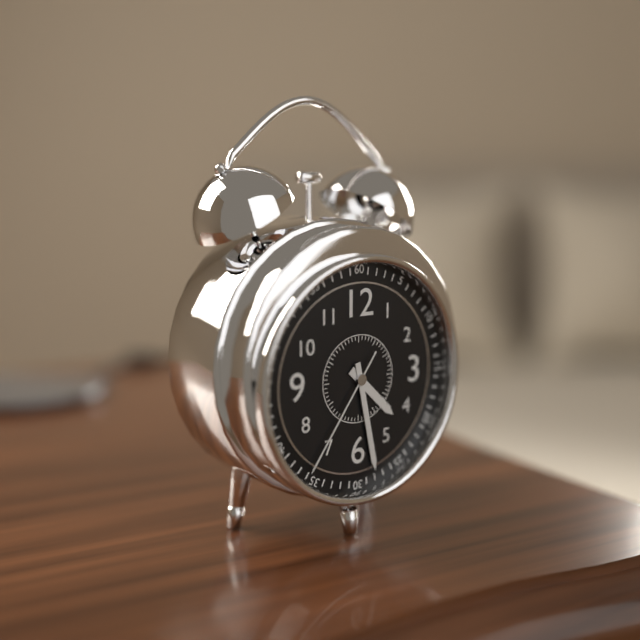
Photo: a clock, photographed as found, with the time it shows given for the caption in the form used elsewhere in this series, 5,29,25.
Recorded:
4,28,36
